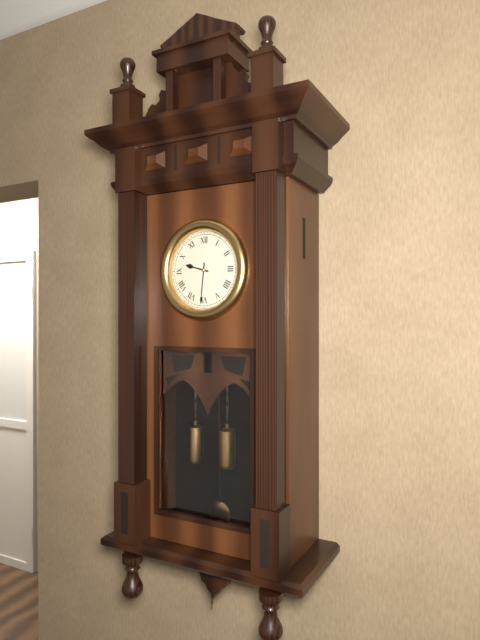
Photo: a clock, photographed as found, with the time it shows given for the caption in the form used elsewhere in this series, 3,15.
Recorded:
9,31
